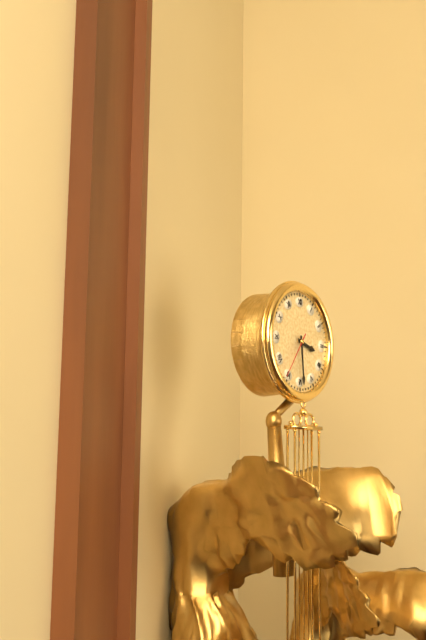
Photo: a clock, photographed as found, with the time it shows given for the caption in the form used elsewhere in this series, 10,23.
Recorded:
3,29
